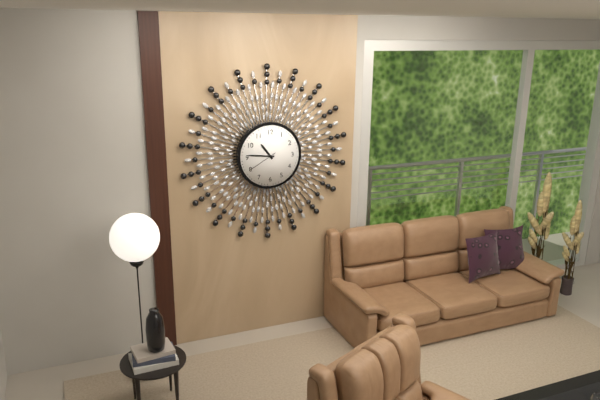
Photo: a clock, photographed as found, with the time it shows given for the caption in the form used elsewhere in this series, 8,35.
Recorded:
10,46
